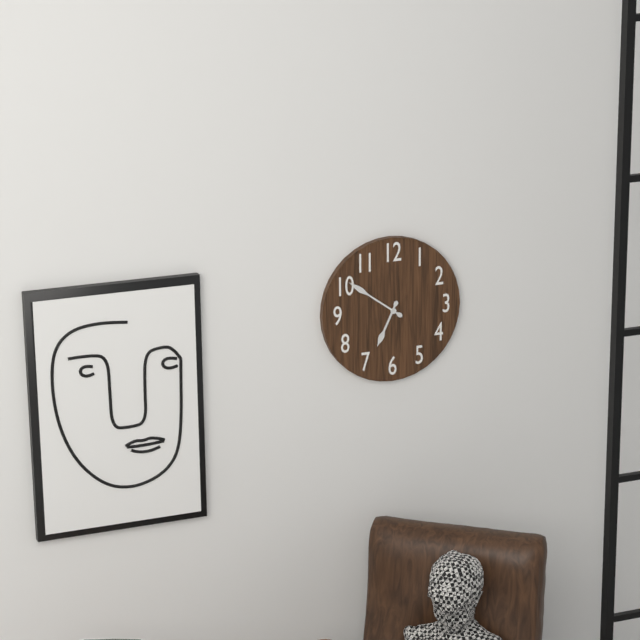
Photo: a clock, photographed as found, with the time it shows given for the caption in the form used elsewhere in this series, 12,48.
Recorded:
6,51
